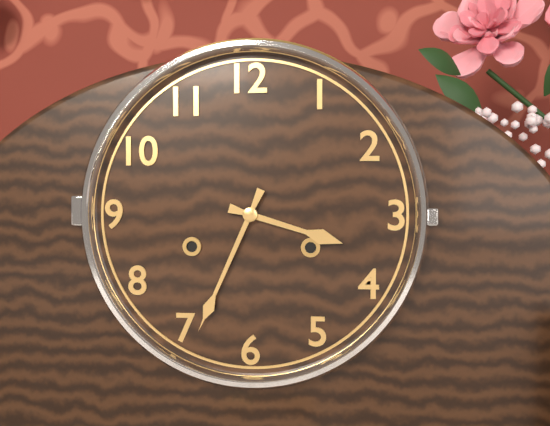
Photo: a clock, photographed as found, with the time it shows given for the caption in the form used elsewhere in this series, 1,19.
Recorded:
3,34
